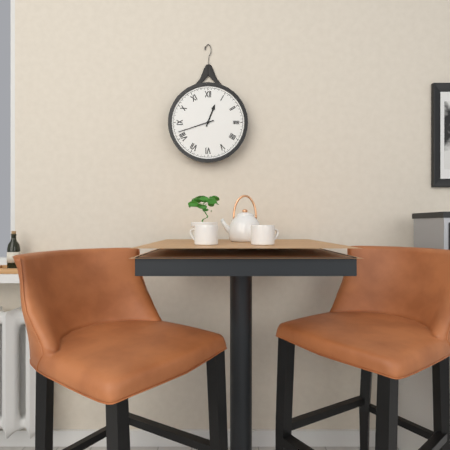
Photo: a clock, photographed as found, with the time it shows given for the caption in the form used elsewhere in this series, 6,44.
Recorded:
12,42
